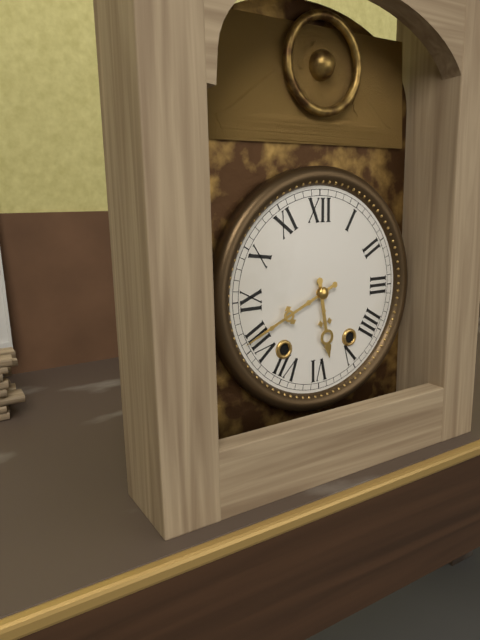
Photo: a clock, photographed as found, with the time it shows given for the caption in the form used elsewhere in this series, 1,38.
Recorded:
5,41
